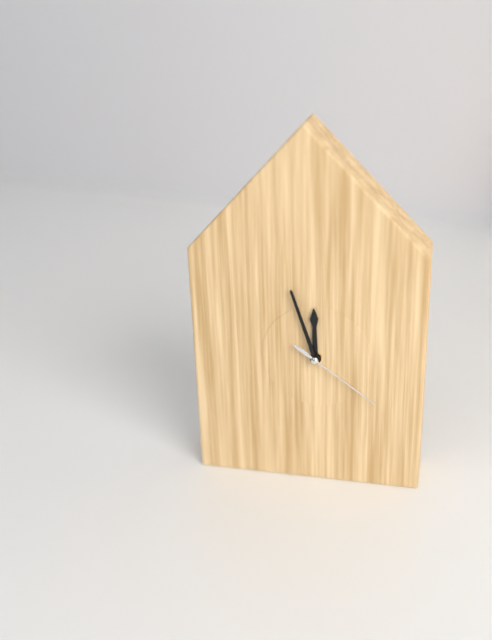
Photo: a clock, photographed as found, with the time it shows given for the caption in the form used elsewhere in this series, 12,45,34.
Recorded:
11,57,21
